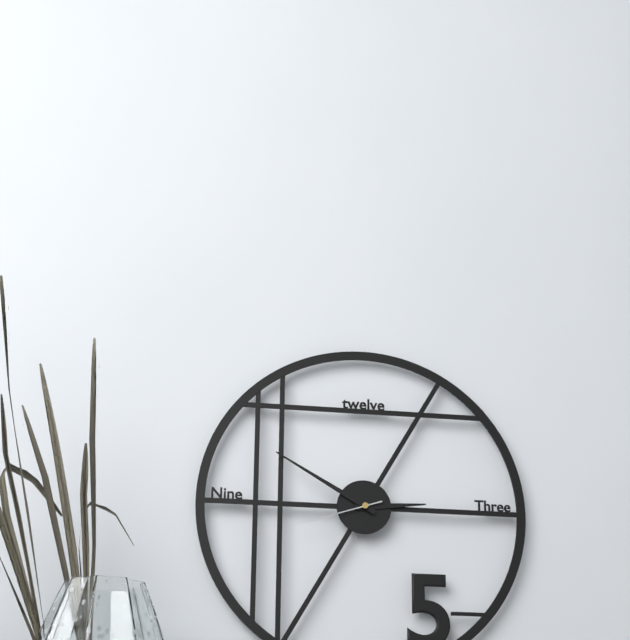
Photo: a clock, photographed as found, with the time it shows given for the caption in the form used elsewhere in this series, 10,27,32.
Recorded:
2,50,42
